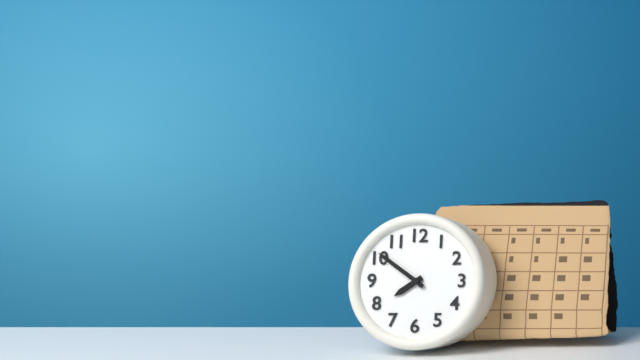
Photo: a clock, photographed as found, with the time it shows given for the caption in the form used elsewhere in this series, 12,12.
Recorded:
7,51
